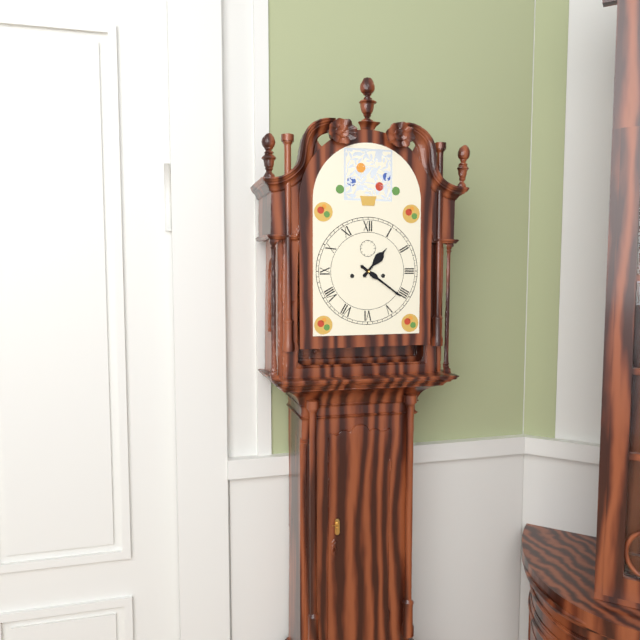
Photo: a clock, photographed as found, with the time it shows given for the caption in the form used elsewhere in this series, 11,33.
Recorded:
1,21
